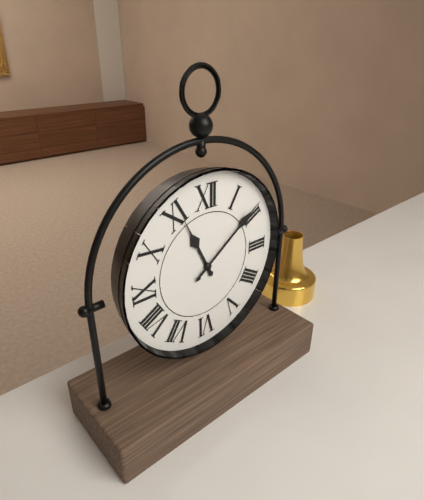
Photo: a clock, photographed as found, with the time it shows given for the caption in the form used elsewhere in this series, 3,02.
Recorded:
11,09
